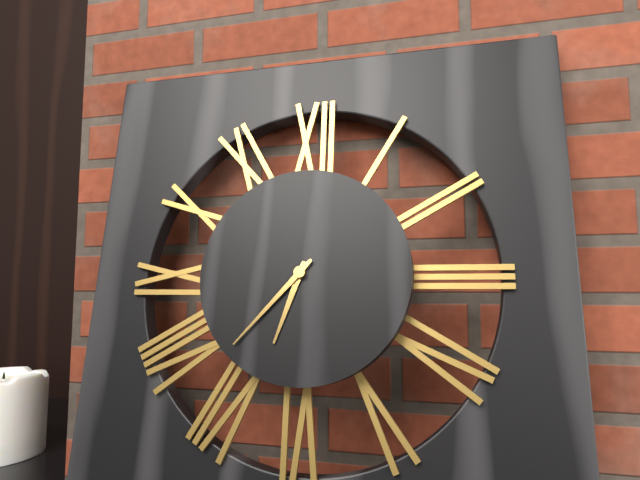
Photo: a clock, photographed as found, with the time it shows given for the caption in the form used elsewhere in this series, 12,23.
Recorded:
6,37
